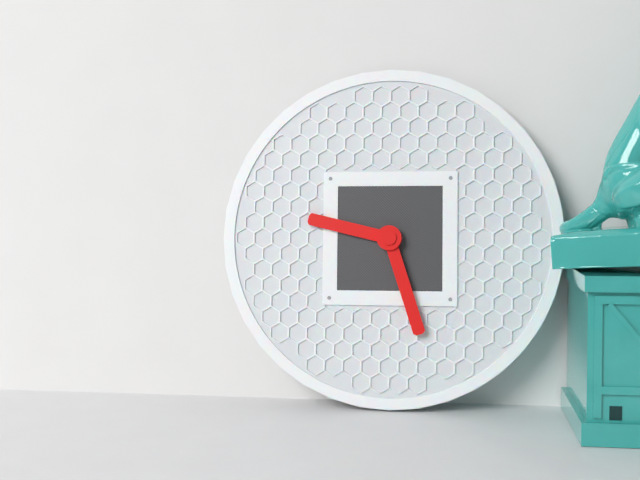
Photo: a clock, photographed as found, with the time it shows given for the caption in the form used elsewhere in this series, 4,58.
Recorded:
9,27
